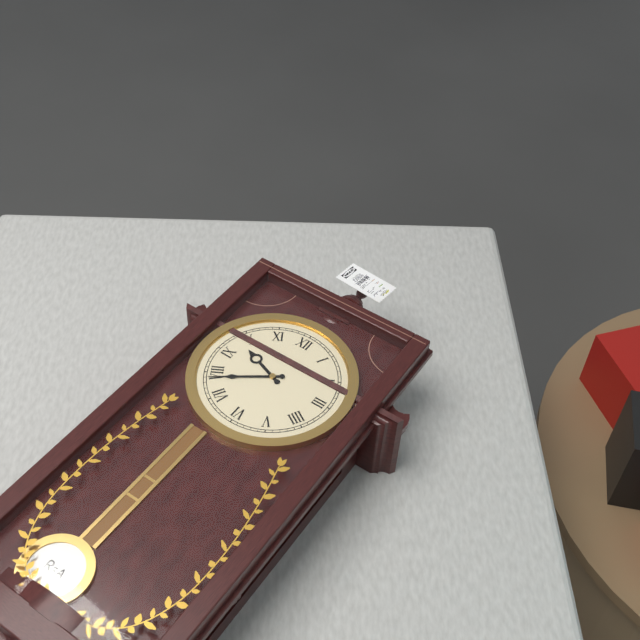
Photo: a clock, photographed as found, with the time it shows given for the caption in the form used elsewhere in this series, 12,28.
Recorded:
9,39
